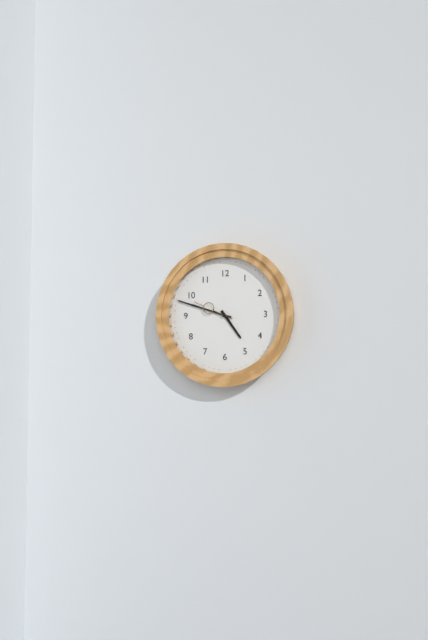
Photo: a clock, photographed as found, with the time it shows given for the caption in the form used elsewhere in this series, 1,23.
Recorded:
4,48
